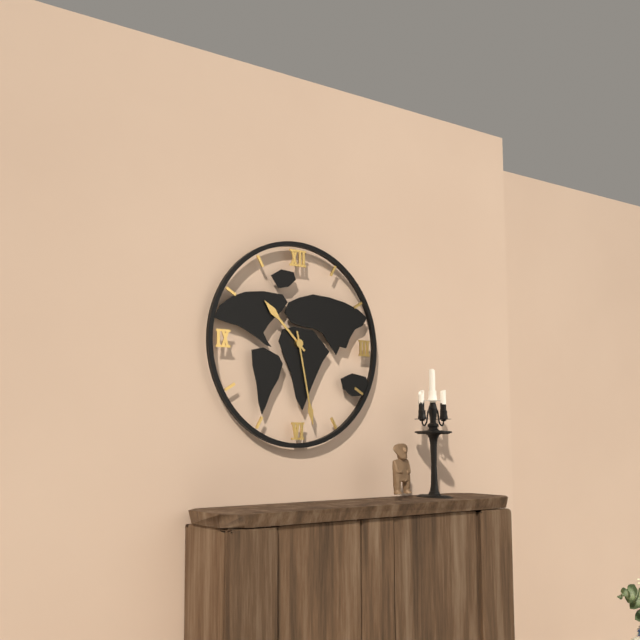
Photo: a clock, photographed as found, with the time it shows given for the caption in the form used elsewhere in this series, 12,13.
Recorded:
10,28
